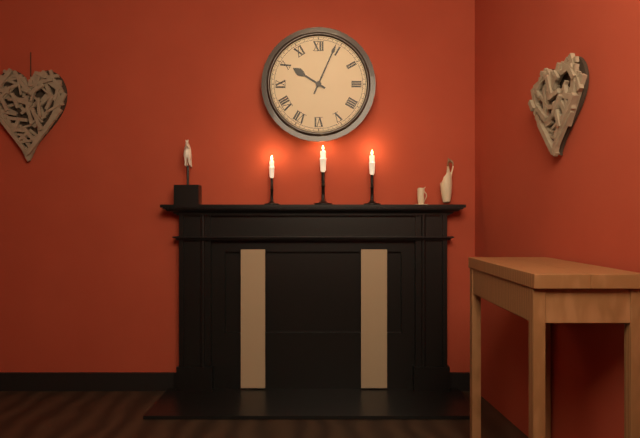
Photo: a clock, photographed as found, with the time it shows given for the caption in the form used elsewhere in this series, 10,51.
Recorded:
10,04
